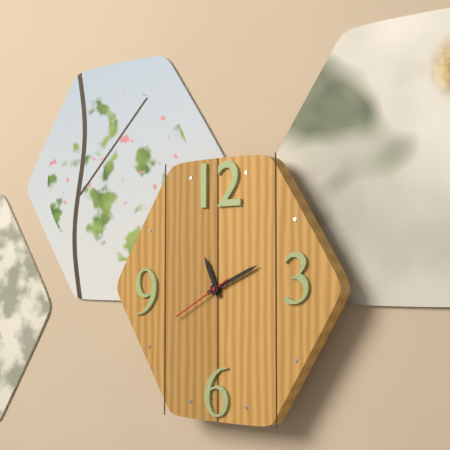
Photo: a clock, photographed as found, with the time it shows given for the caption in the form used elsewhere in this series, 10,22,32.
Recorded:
11,11,40
